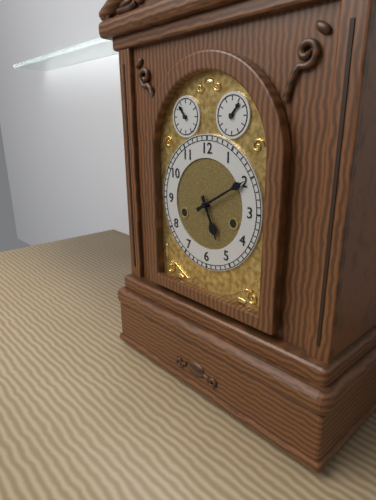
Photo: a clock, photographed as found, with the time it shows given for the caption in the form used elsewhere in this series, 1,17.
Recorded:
5,10
